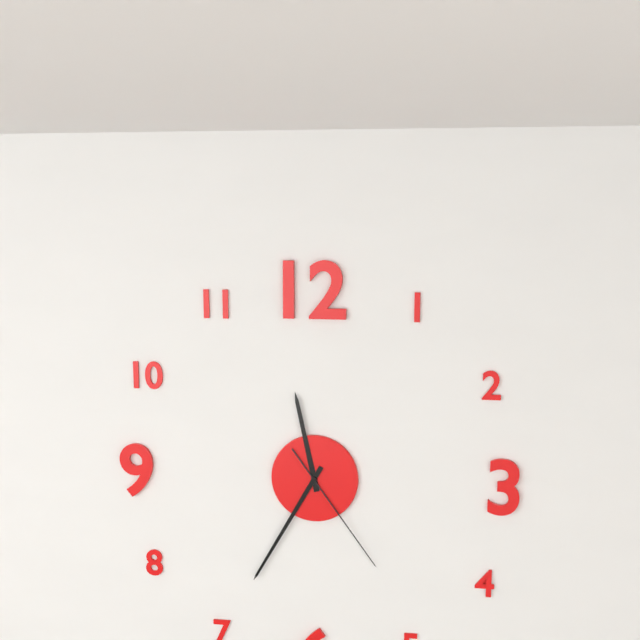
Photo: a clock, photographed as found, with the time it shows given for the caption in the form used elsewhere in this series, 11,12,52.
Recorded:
11,35,24
